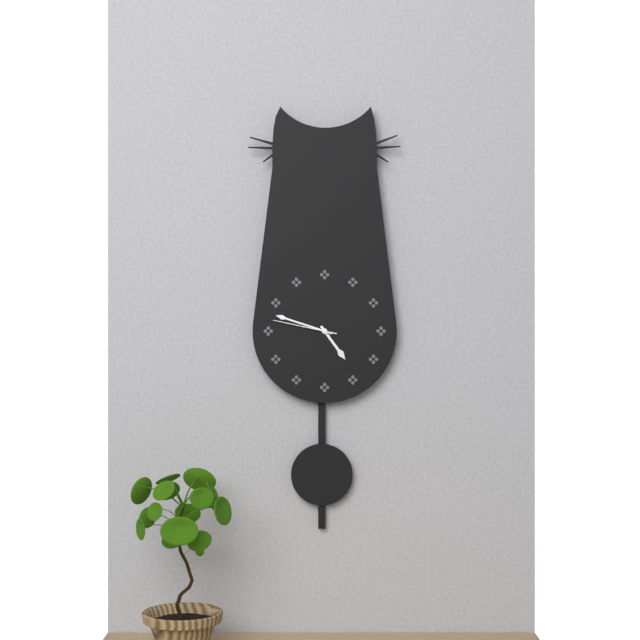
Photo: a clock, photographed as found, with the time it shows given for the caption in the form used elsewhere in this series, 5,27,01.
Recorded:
4,48,47
